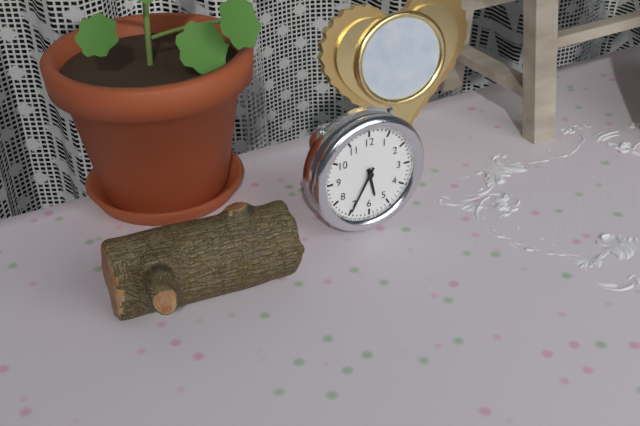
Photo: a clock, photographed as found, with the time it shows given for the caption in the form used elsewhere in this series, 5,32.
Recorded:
5,35
